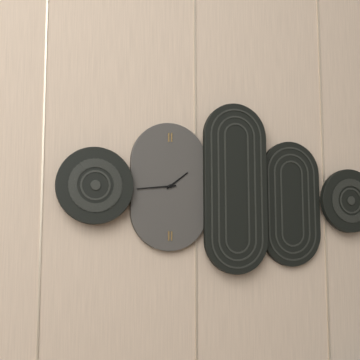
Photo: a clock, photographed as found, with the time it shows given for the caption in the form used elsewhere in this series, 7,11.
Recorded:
1,44
